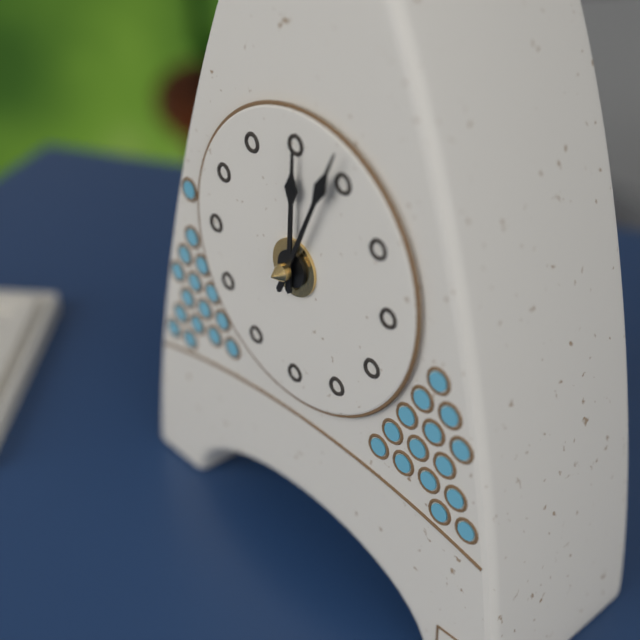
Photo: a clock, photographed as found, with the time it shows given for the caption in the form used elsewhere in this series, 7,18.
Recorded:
12,04
